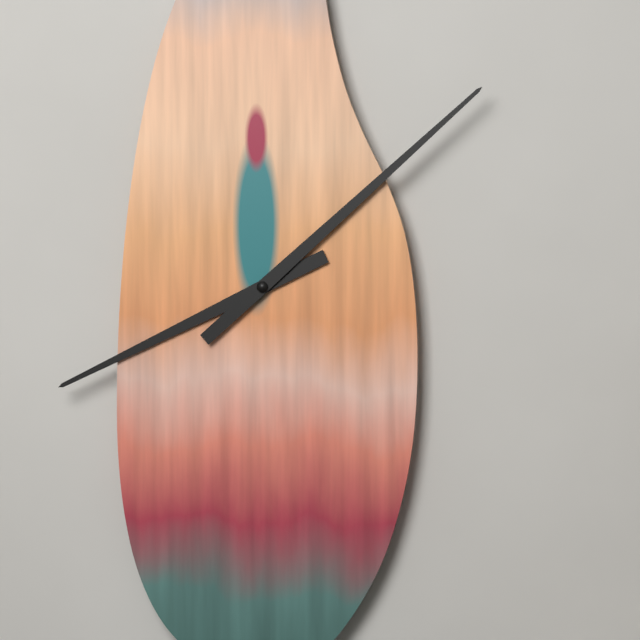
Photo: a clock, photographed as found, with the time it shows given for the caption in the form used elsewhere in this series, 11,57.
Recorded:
8,08
